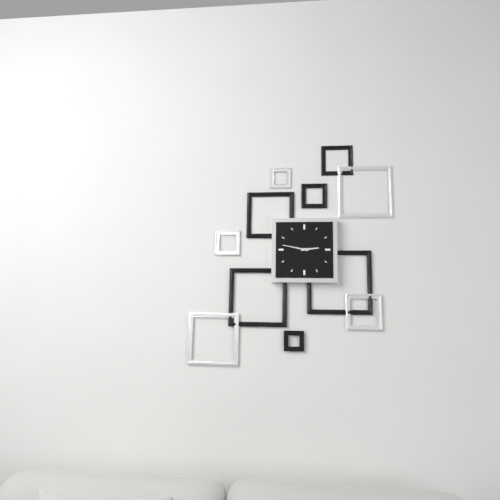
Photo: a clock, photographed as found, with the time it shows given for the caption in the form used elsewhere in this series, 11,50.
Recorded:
2,47
